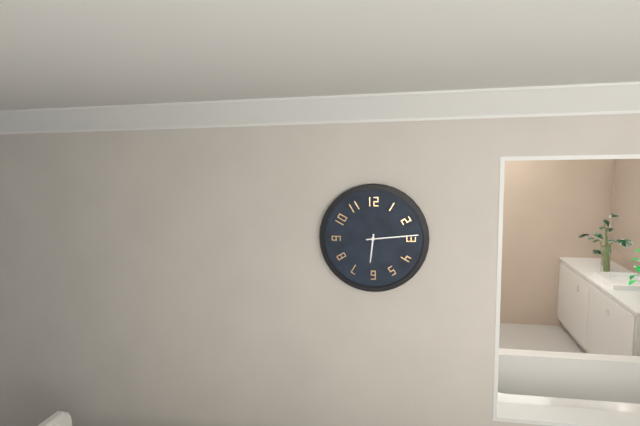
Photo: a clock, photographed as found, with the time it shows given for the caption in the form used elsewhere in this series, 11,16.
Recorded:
6,14
